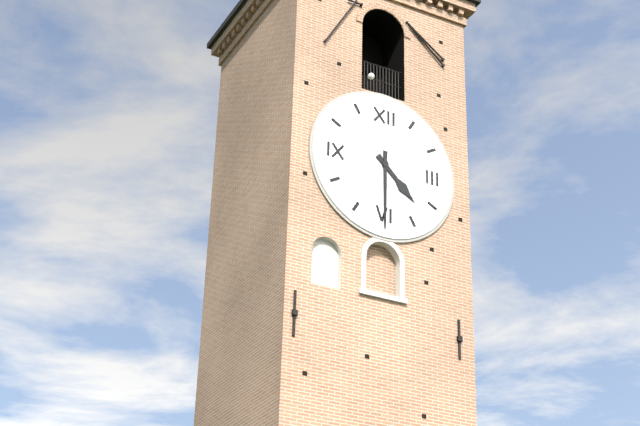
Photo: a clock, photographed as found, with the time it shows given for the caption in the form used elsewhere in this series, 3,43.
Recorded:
4,30
